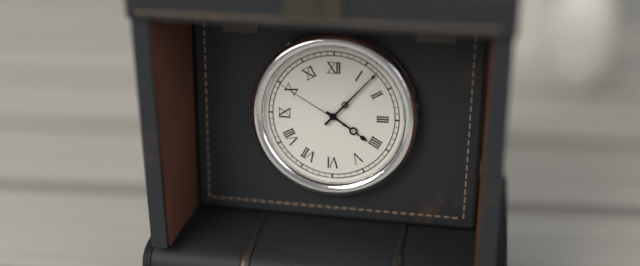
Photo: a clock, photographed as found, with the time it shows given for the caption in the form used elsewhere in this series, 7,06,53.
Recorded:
4,07,50
